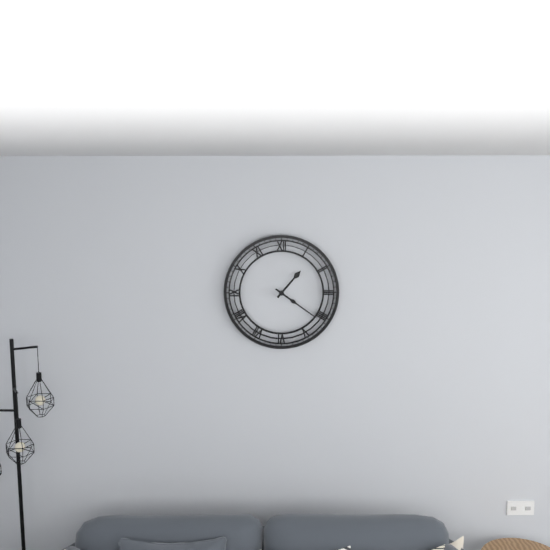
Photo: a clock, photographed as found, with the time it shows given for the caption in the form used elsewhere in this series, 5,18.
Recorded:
1,21
